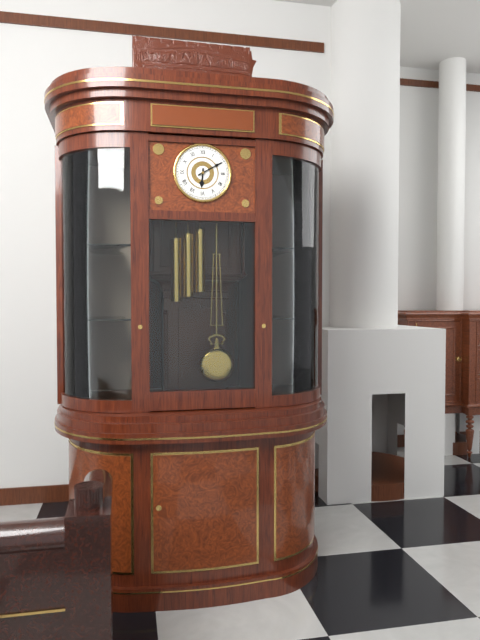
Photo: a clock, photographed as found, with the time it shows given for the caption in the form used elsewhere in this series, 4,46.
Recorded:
6,10
